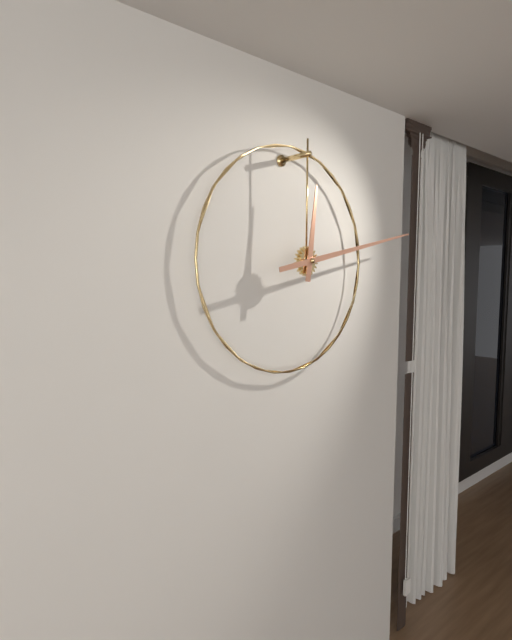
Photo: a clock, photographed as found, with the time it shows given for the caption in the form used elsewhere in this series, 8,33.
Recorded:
12,13
